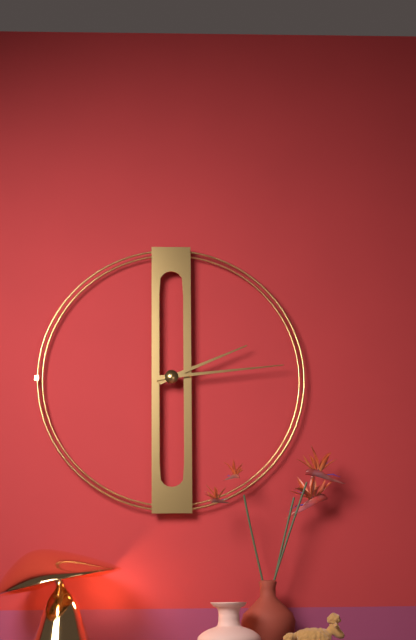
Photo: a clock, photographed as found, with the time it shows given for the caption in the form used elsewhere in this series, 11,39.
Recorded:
2,14
